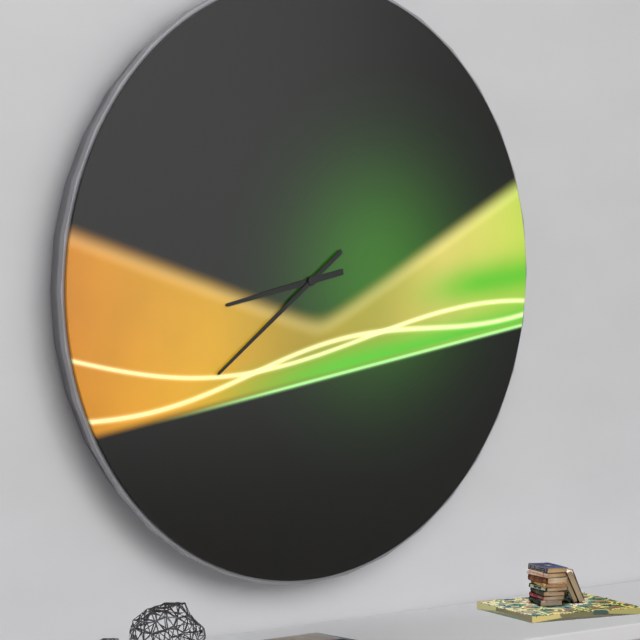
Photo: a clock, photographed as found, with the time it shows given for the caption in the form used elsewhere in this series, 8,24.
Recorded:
8,39
